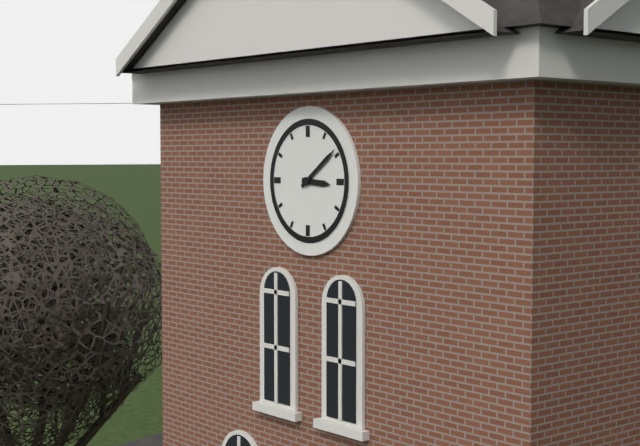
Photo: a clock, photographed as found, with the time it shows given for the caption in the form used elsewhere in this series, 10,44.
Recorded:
3,09
